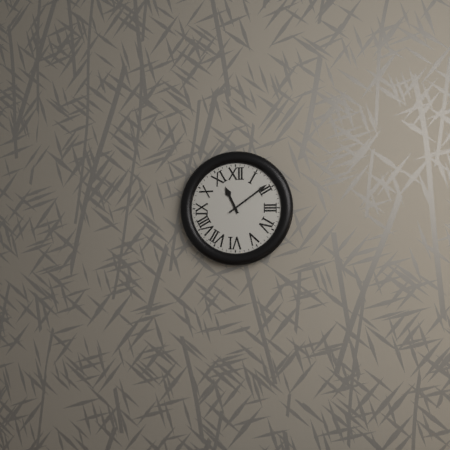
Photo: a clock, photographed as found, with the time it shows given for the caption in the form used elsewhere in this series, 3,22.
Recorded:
11,09
